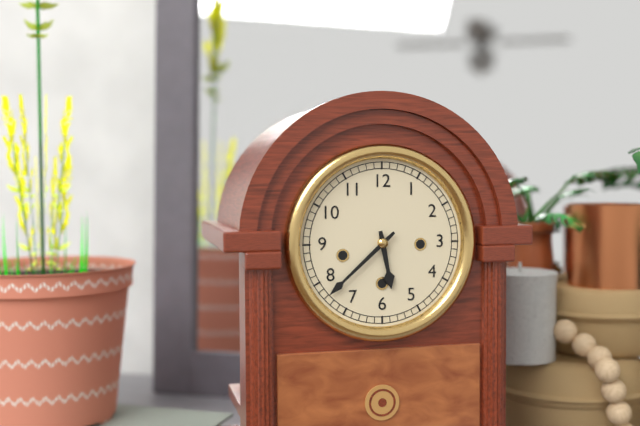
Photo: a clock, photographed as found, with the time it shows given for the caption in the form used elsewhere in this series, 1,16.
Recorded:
5,38
